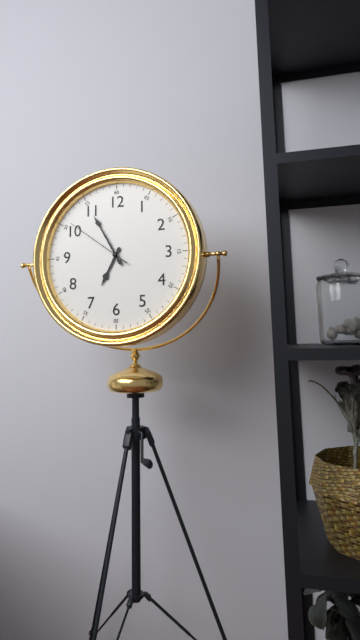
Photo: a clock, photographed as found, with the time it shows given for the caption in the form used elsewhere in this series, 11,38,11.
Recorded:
6,55,51
